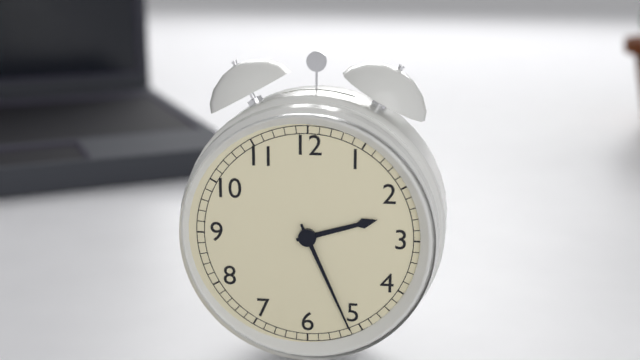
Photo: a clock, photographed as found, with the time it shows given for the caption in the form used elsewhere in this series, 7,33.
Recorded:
2,26
